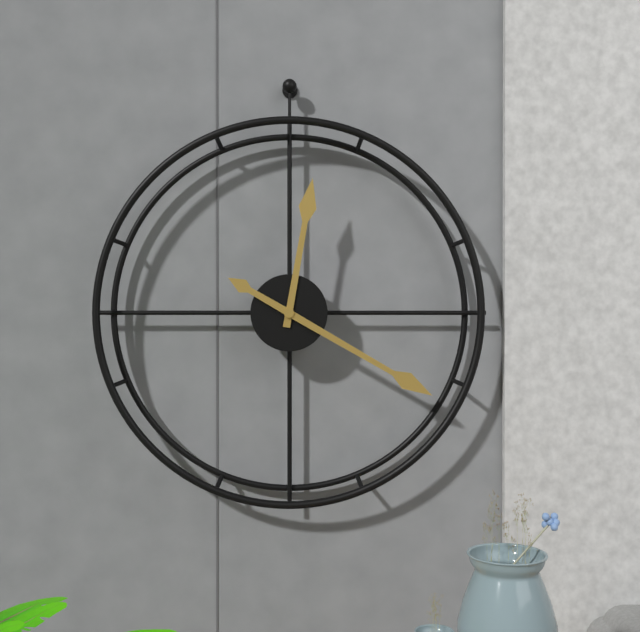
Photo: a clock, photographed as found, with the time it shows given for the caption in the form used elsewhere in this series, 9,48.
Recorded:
12,20
